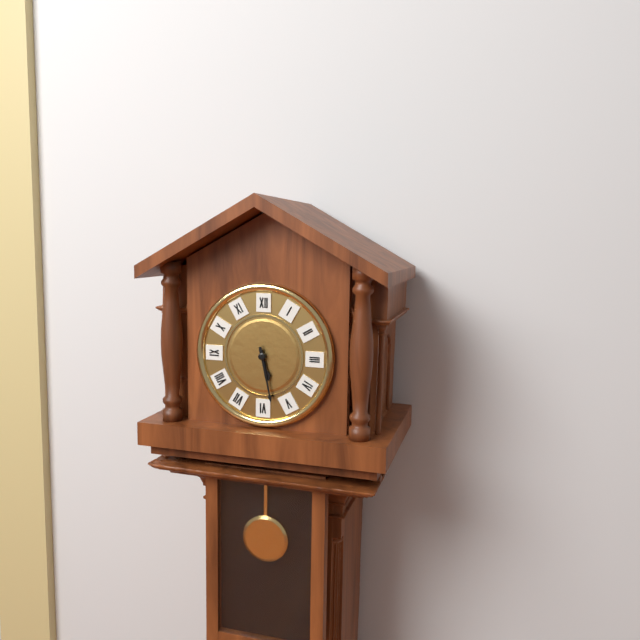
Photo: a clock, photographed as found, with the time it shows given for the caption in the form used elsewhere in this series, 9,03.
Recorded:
5,28
